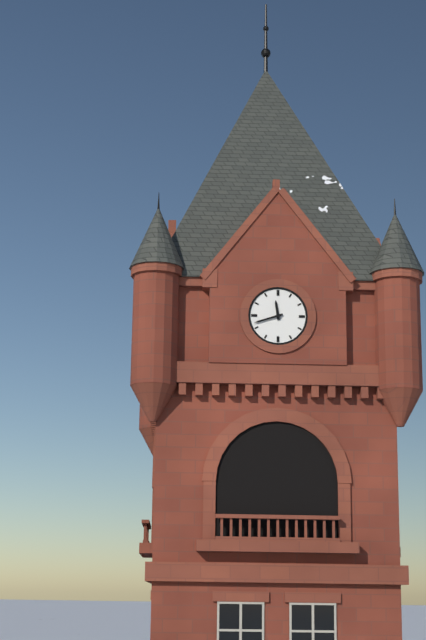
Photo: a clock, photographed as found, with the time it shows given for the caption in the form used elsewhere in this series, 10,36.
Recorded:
11,42
